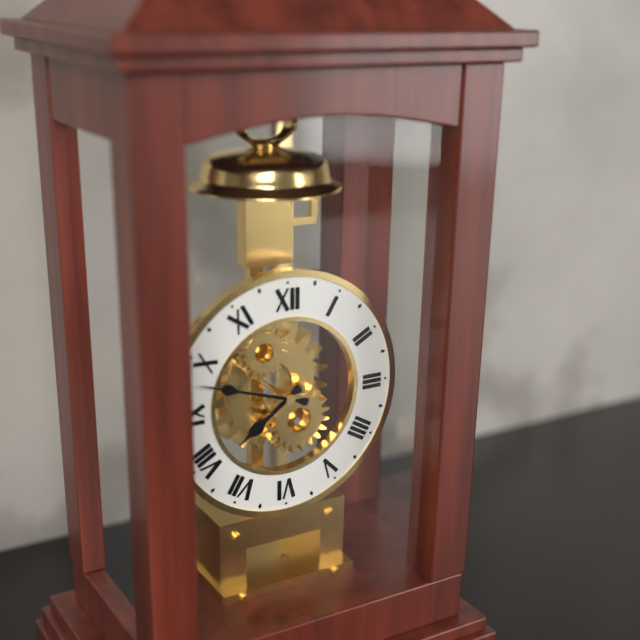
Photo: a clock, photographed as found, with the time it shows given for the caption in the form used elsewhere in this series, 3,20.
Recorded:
7,48
